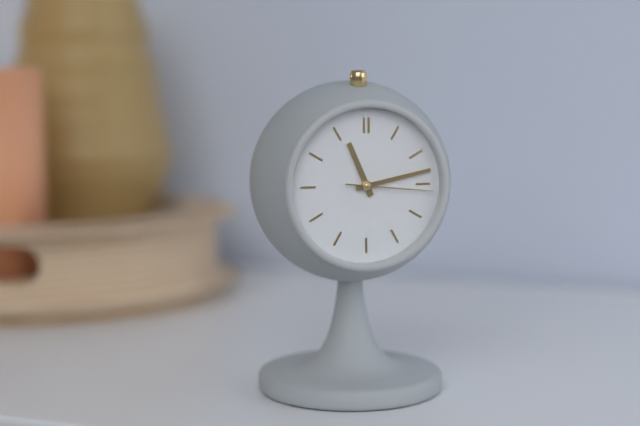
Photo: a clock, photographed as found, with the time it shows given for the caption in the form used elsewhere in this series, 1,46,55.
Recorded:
11,13,16
